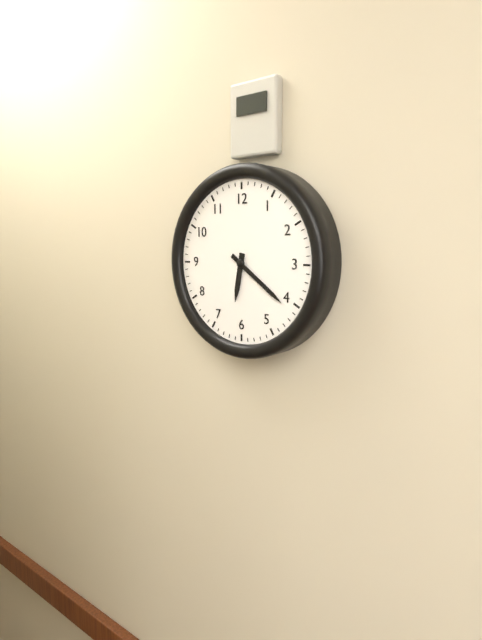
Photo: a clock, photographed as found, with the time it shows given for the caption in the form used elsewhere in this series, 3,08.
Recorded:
6,21
